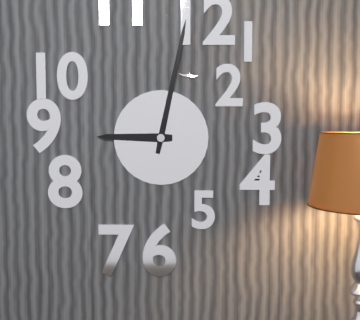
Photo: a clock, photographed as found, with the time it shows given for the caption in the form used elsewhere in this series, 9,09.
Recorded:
9,02
